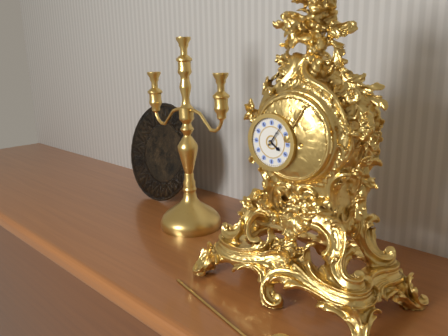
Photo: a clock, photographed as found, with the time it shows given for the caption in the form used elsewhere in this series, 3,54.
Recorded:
4,06
